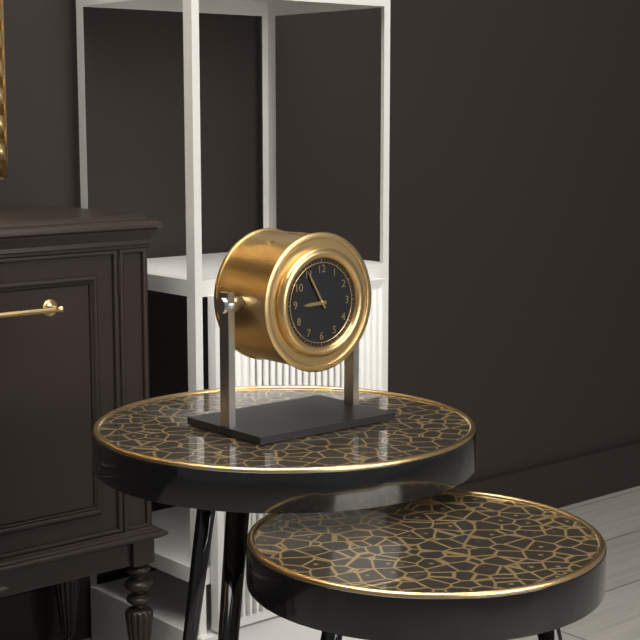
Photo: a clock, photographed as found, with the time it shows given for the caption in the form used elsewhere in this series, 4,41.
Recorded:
8,55
